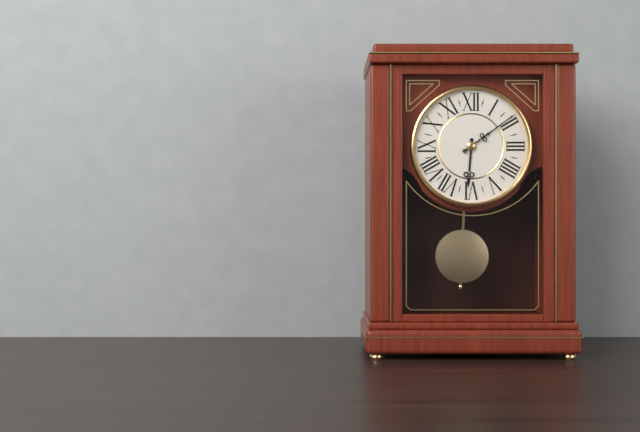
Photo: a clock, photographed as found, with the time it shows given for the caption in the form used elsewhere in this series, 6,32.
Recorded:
6,09
